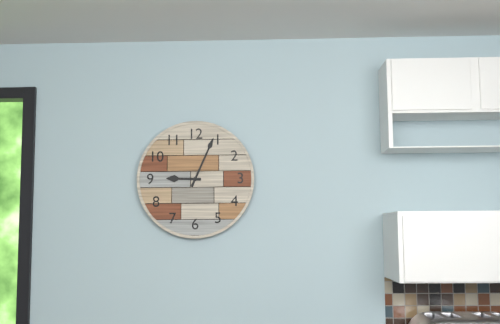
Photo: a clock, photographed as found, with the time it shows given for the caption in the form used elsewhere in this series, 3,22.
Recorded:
9,04
